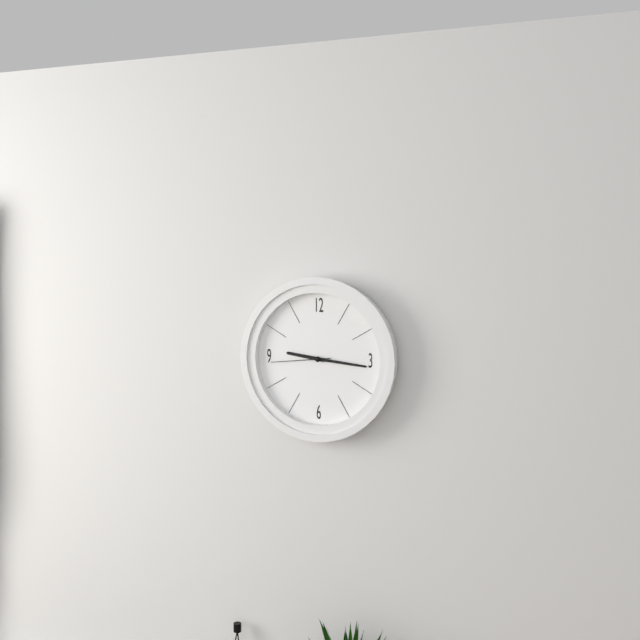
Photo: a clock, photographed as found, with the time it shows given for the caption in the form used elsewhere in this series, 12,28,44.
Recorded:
9,16,44
